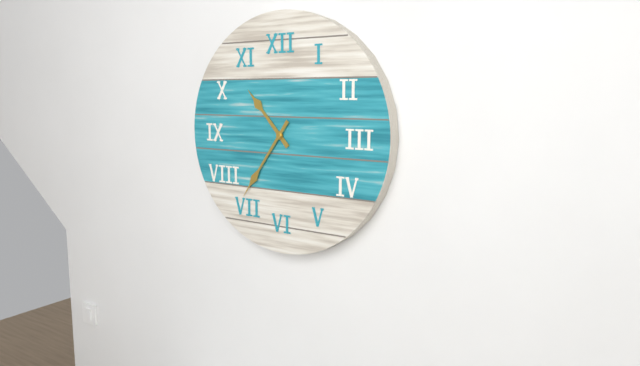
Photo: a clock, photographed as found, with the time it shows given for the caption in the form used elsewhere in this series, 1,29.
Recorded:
10,36
